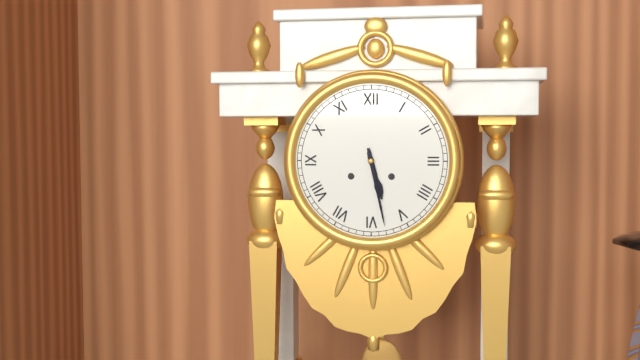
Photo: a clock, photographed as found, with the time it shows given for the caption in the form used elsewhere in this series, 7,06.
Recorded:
5,28
